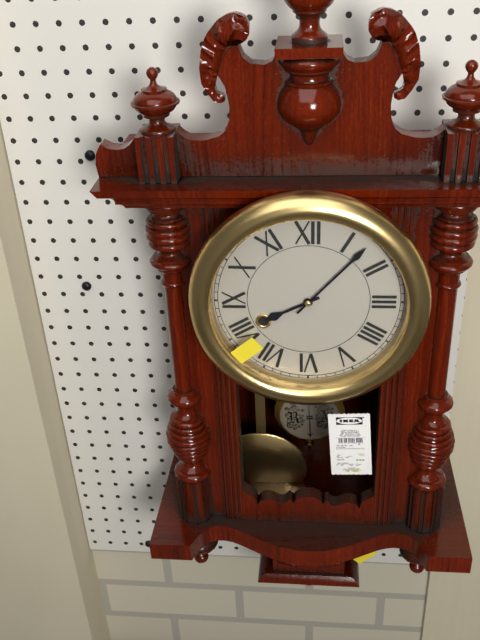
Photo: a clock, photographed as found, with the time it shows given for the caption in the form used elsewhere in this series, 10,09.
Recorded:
8,07
